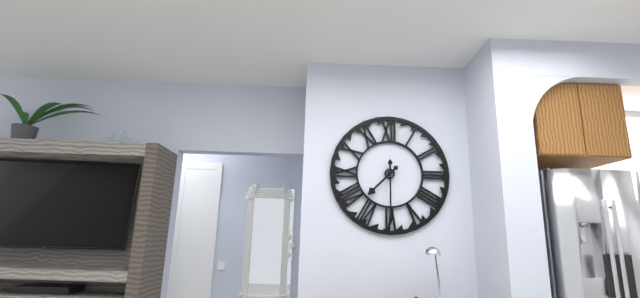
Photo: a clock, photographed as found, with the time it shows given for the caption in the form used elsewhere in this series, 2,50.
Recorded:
7,30
